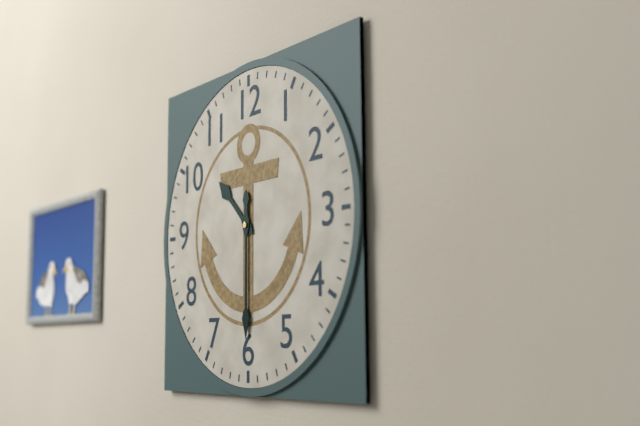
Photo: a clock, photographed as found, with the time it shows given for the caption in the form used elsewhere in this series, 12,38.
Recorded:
10,30
